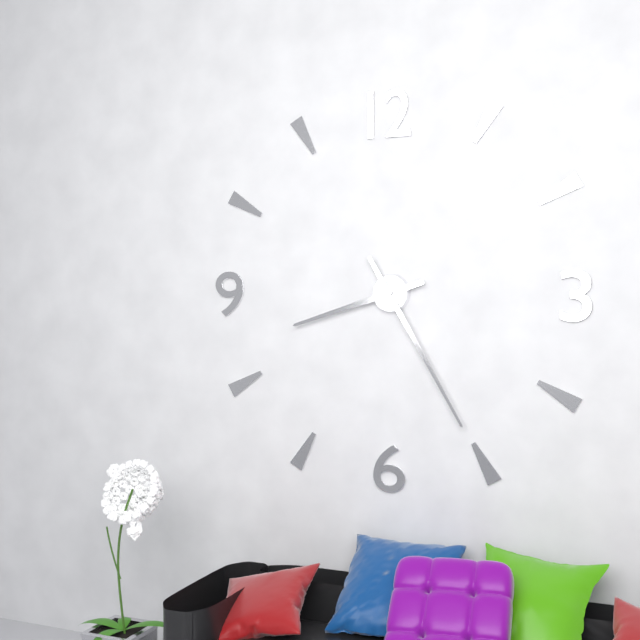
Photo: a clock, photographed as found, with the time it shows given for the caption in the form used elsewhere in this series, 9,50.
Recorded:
8,25
